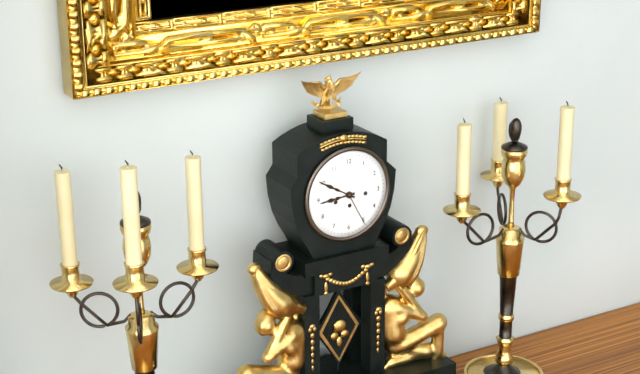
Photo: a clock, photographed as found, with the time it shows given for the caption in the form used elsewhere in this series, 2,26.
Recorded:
8,50
